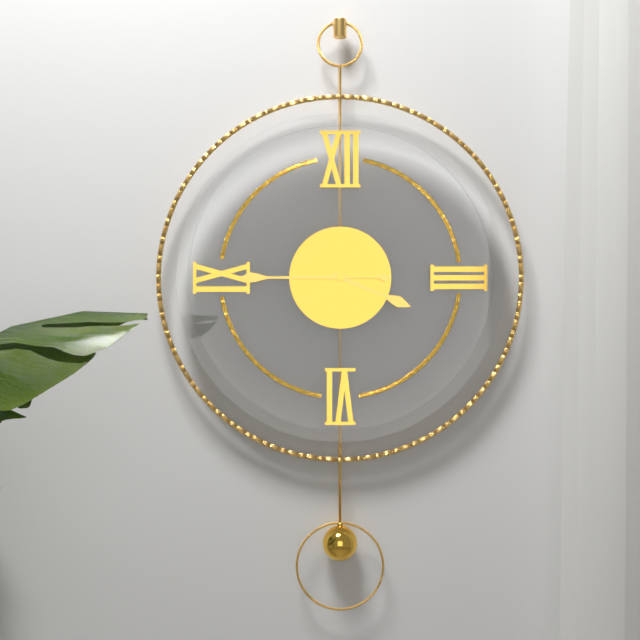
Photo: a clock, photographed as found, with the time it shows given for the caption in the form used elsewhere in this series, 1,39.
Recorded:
3,45
